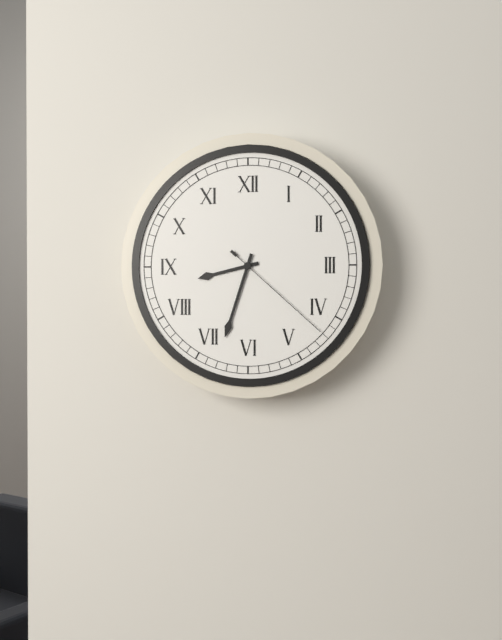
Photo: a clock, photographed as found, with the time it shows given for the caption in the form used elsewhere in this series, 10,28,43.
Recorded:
8,33,22
